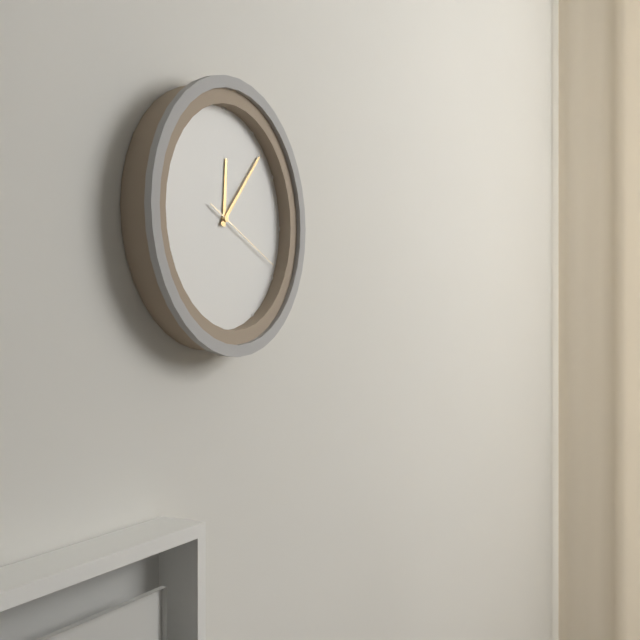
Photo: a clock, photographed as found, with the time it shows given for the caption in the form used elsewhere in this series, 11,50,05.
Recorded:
12,07,19
